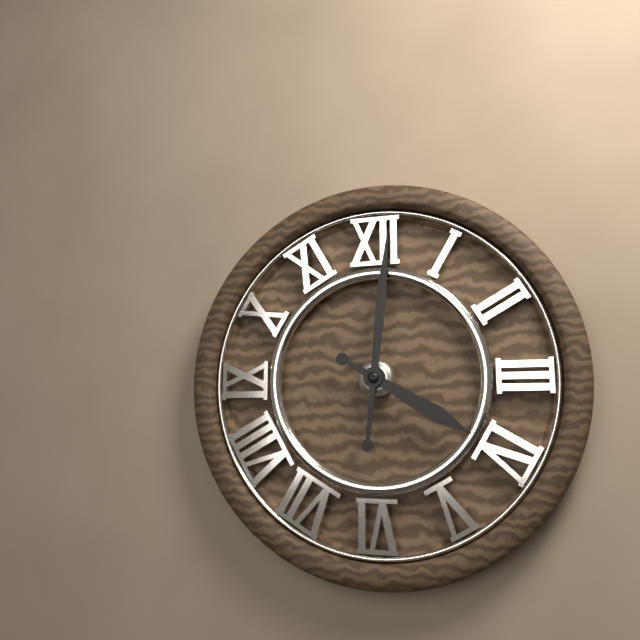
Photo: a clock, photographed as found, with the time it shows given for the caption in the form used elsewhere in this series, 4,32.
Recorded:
4,01
